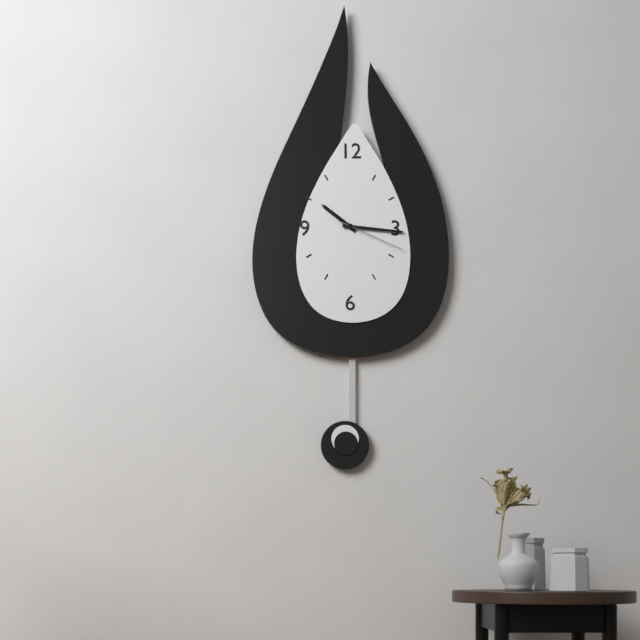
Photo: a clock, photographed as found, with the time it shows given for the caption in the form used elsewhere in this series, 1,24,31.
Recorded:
10,16,19
